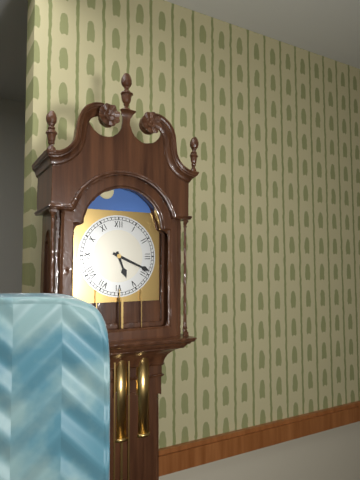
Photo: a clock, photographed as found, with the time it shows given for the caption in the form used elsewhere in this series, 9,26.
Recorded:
5,19
